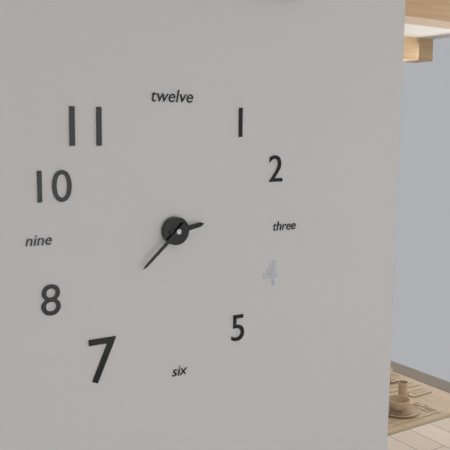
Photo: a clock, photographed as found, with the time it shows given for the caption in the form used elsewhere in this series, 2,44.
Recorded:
2,38
